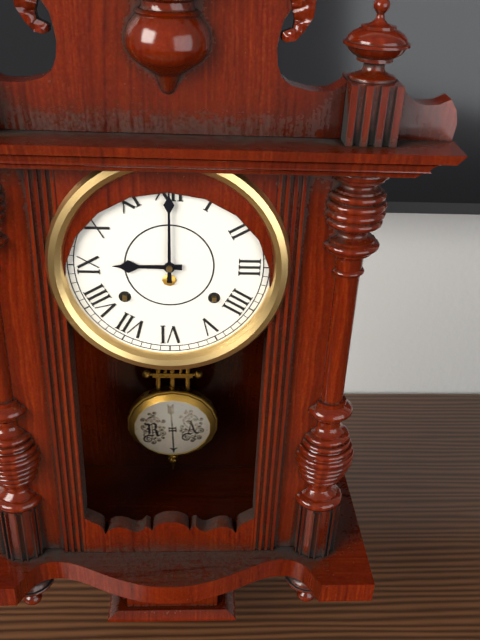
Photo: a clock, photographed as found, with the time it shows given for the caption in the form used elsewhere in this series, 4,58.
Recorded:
9,00
